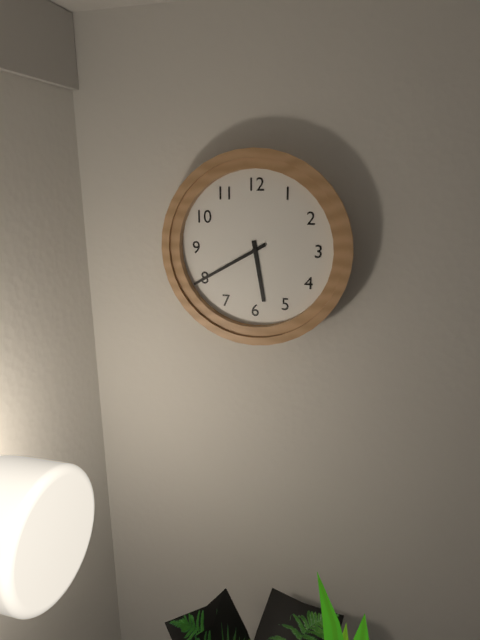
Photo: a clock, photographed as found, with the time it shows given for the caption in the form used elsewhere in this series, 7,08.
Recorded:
5,40
